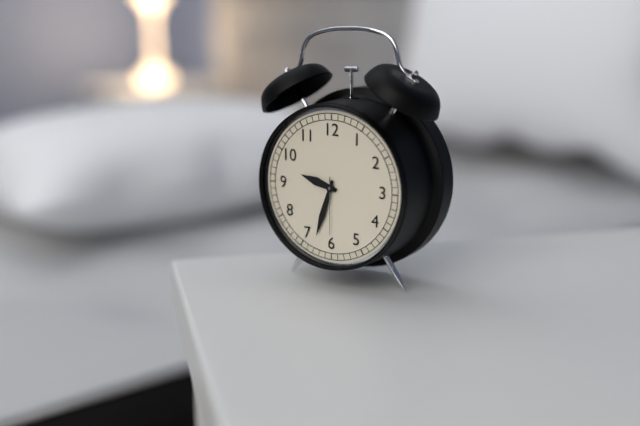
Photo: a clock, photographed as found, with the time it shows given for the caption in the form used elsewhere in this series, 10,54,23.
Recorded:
9,33,30
